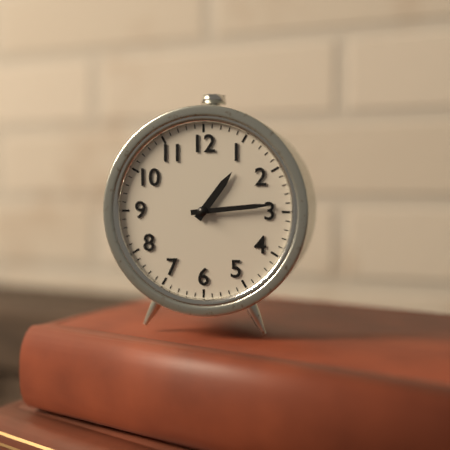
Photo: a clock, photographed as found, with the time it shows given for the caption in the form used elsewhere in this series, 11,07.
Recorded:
1,14
